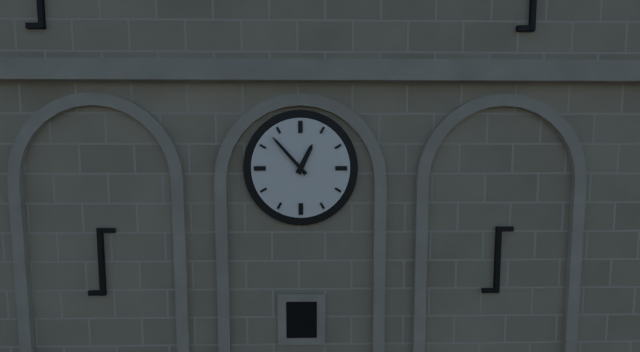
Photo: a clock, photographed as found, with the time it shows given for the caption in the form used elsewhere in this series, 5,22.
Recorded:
12,53
